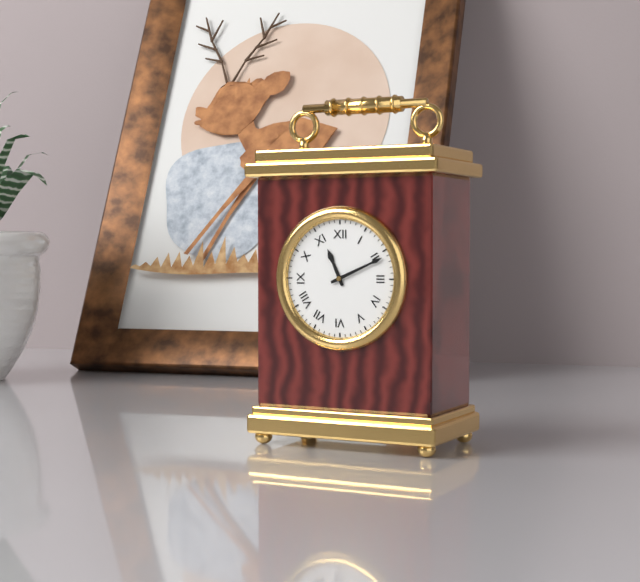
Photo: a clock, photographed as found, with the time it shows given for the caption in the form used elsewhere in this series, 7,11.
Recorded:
11,11
